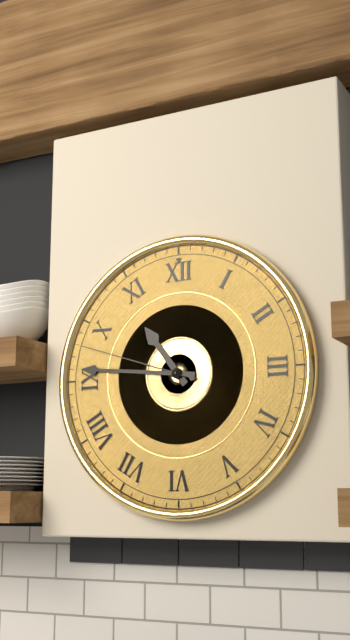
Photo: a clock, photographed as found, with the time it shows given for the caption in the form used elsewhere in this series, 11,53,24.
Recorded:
10,46,48
